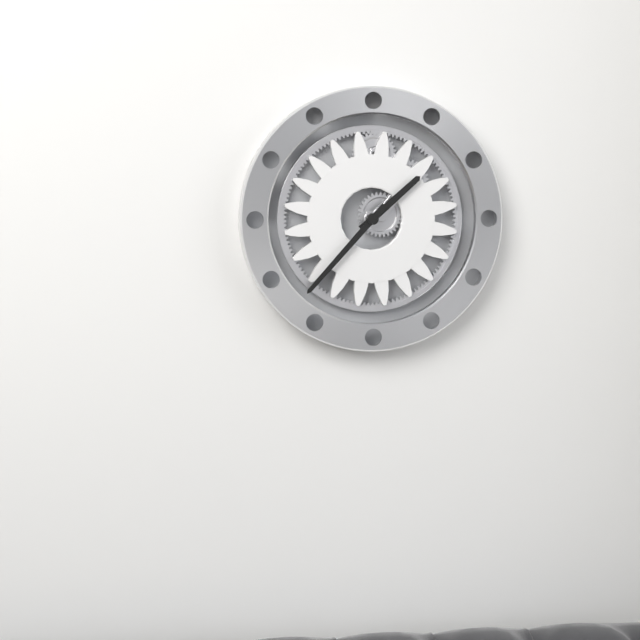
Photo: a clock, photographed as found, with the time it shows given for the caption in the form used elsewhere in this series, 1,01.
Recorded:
1,37
